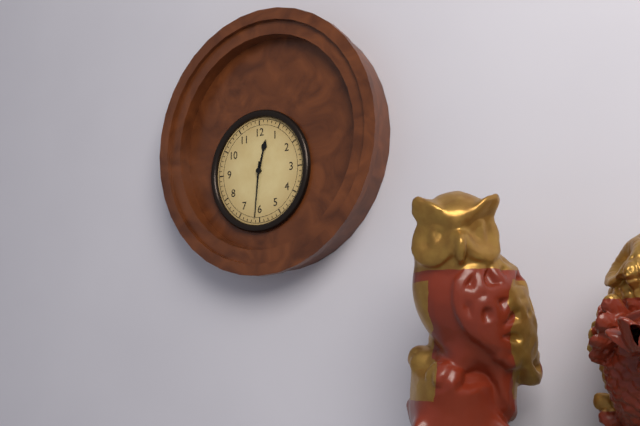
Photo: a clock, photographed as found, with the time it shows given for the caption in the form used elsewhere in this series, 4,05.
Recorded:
12,31
